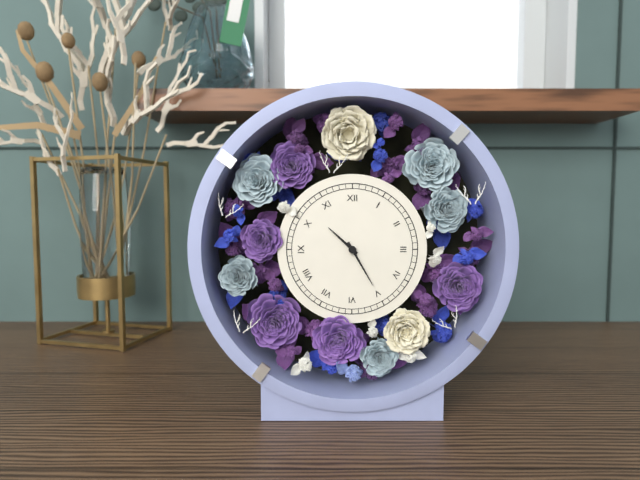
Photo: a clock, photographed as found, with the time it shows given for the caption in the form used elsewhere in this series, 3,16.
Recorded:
10,25
